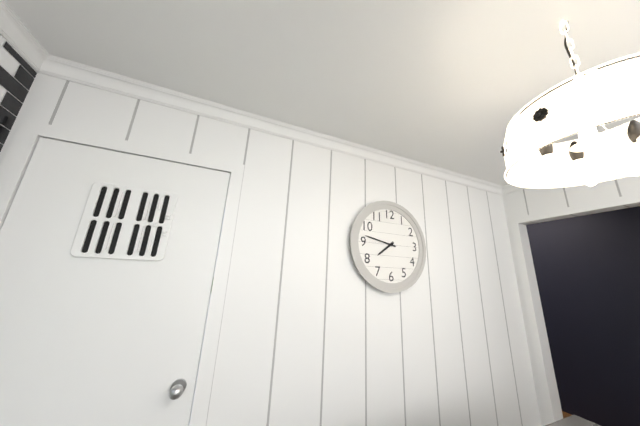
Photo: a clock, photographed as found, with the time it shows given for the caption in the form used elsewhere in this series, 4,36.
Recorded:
7,47
